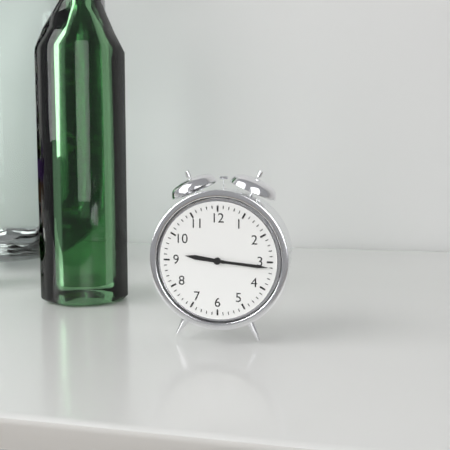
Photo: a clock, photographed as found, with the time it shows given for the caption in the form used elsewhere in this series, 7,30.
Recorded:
9,16
